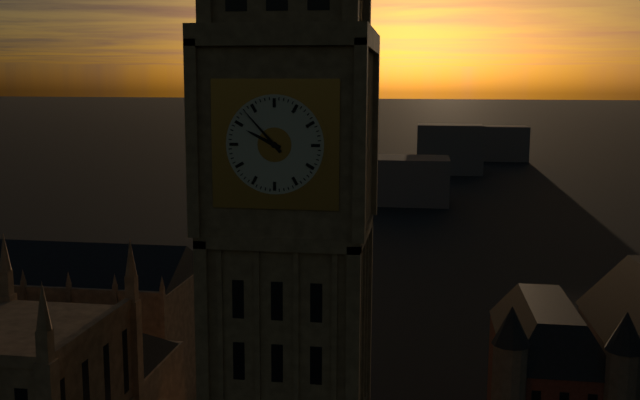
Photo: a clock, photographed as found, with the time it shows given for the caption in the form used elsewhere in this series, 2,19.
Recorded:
9,53
